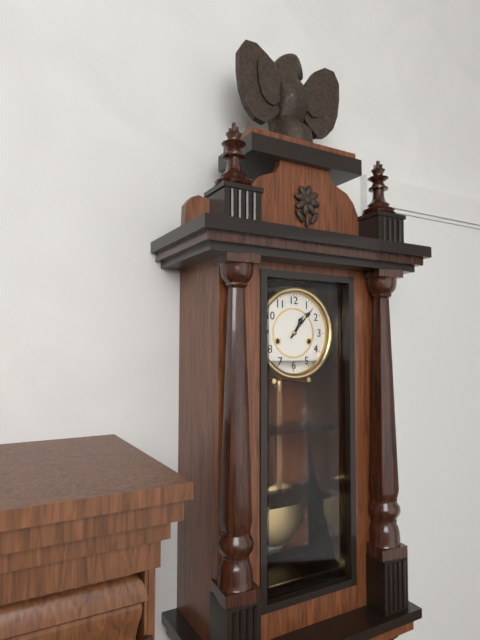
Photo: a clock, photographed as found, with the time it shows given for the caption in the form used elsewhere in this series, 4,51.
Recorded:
1,07
